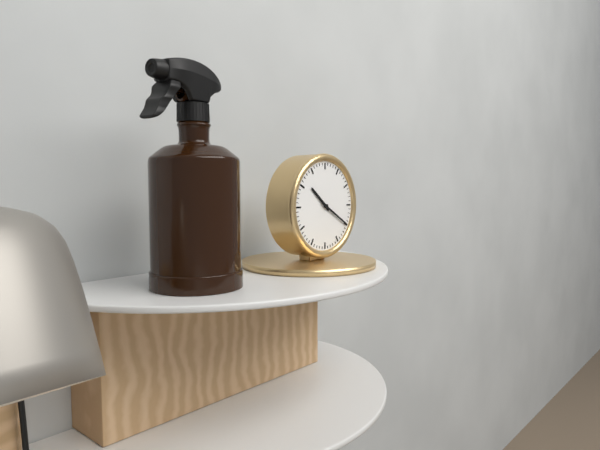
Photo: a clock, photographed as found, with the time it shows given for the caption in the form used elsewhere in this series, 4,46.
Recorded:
10,20
